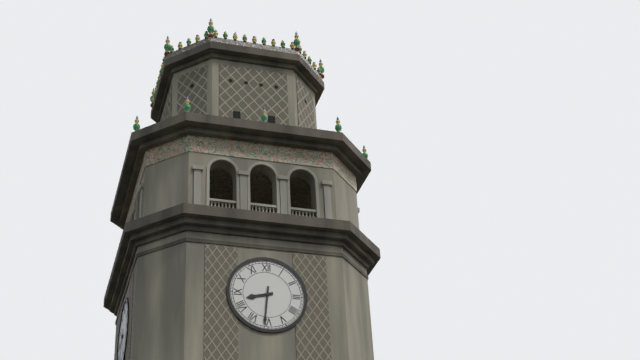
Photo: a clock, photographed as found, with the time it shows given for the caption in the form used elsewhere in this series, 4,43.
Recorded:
8,31
